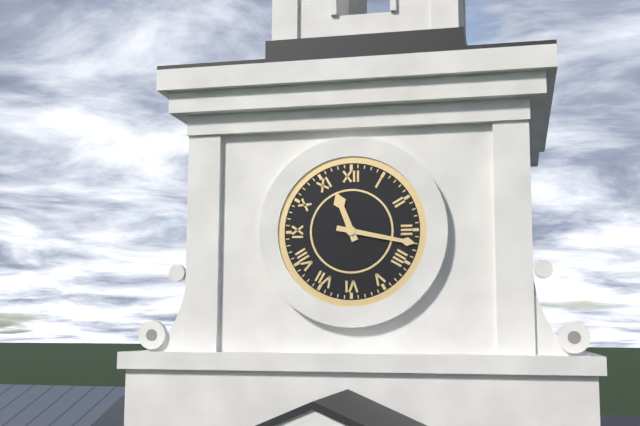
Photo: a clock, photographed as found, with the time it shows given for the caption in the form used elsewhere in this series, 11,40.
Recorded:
11,17
